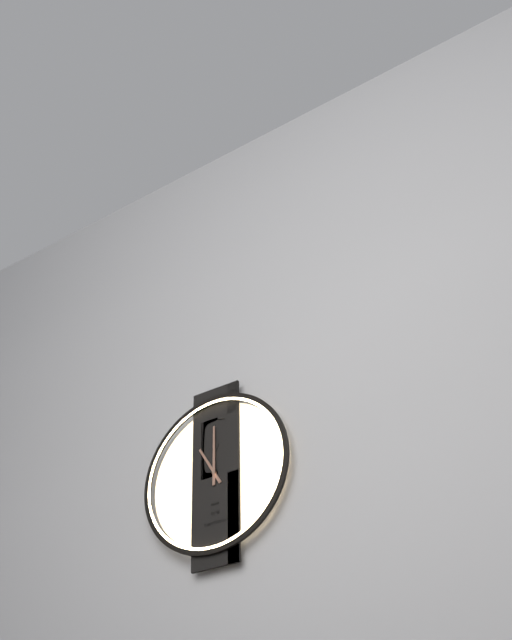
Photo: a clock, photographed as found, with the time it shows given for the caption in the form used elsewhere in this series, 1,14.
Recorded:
11,00
